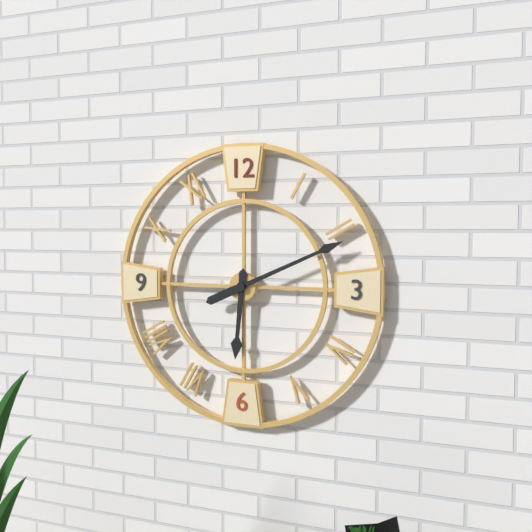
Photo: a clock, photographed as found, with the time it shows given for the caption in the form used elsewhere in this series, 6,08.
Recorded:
6,11
